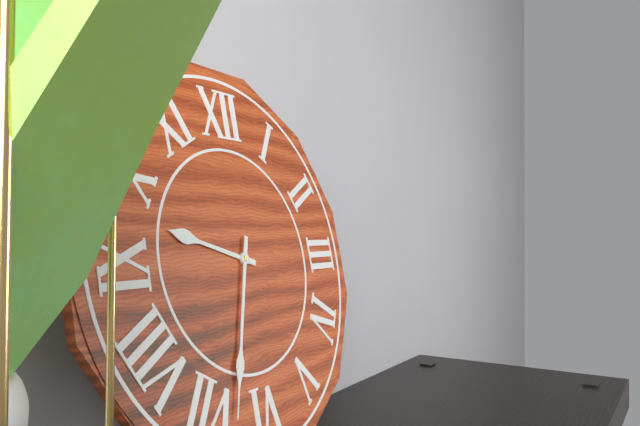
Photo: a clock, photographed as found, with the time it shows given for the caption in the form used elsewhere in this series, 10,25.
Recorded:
9,33
